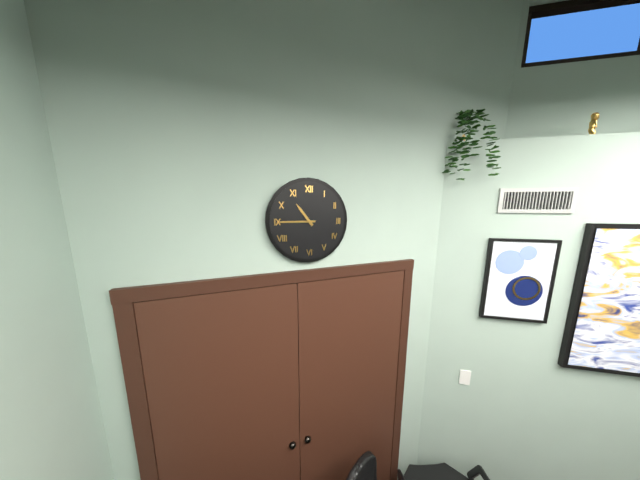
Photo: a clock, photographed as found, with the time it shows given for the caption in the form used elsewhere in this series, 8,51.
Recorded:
10,45
